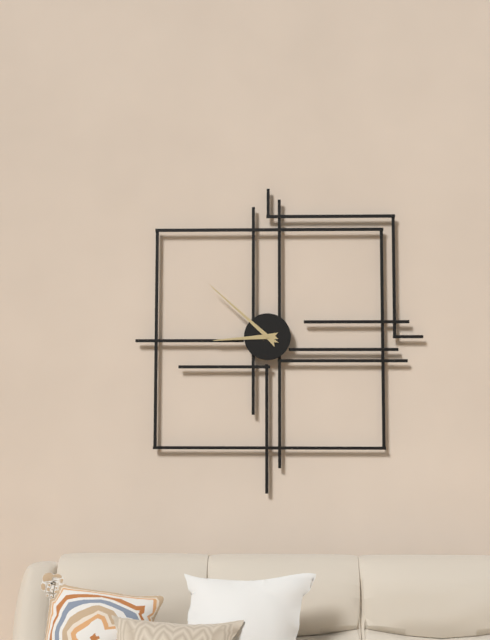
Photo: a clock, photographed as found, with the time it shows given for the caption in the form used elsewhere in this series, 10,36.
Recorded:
8,52
